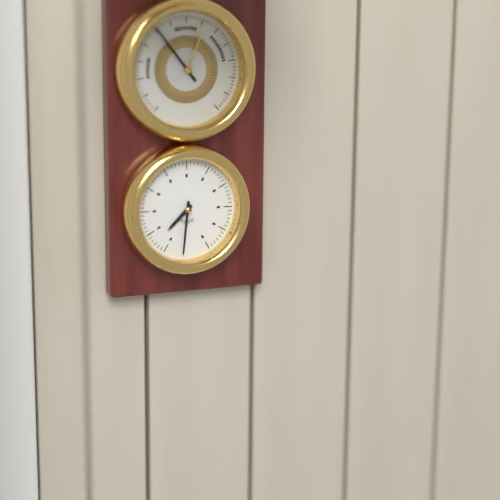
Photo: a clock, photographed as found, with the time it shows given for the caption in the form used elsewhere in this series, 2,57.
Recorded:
7,31
